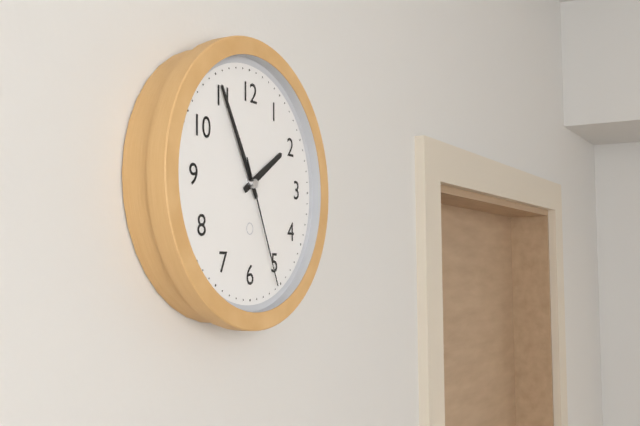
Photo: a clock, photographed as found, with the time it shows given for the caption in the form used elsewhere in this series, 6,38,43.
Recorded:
1,55,26
